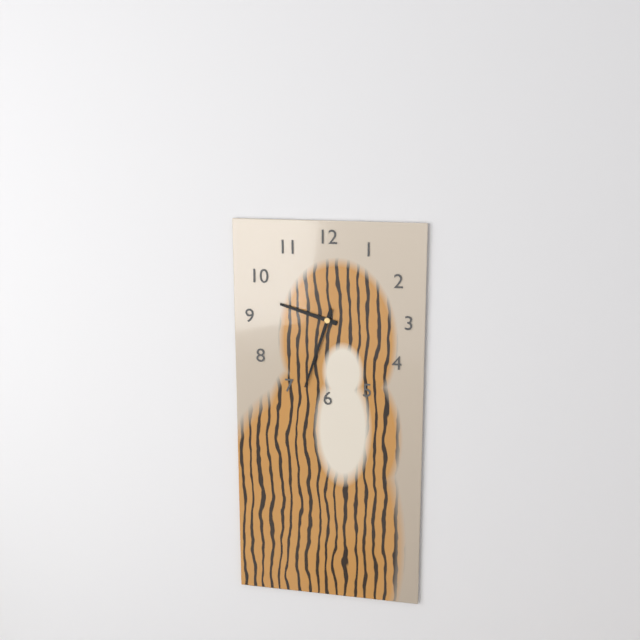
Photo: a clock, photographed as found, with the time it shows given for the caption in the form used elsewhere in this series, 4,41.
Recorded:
9,33
